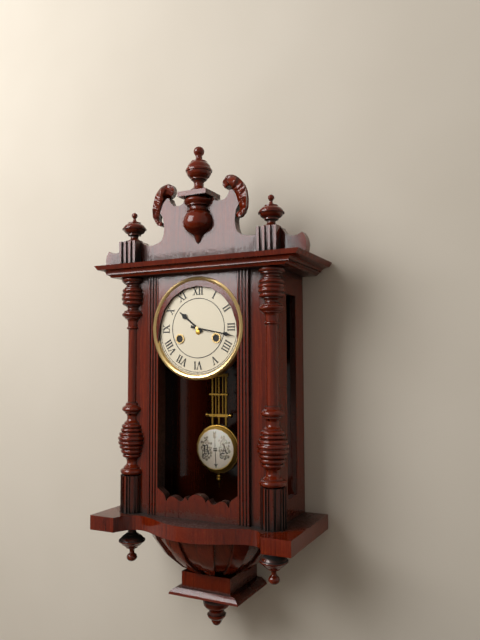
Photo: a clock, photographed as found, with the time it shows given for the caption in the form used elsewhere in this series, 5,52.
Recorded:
10,17
